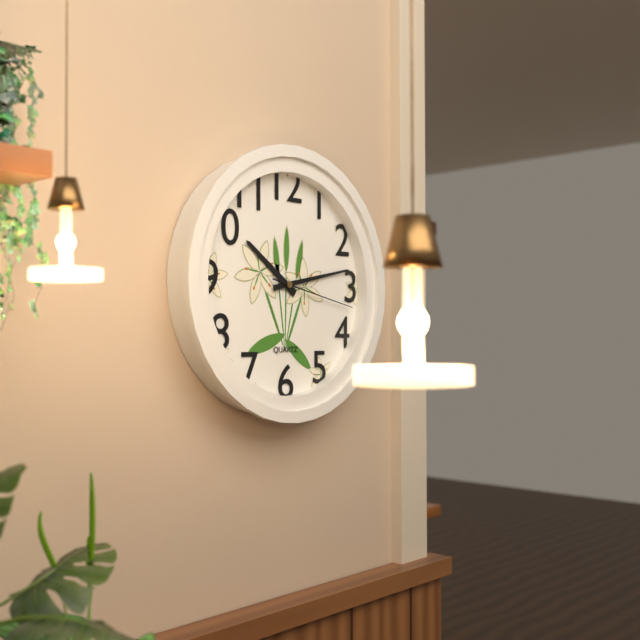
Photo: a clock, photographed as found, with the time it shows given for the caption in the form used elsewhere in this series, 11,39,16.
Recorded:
10,13,17
